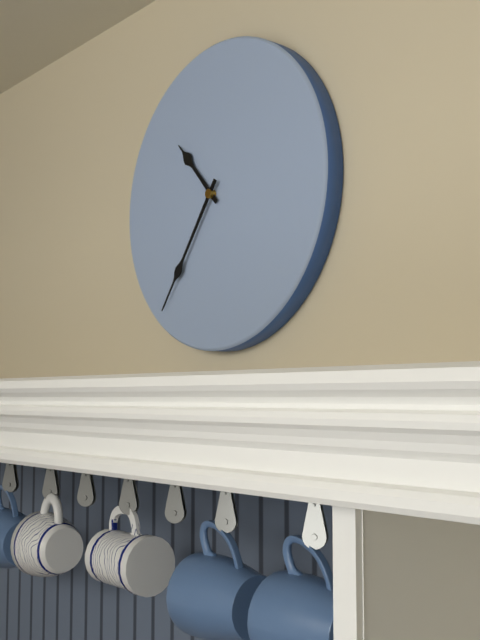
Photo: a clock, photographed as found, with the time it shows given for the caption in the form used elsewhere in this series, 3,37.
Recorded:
10,36
